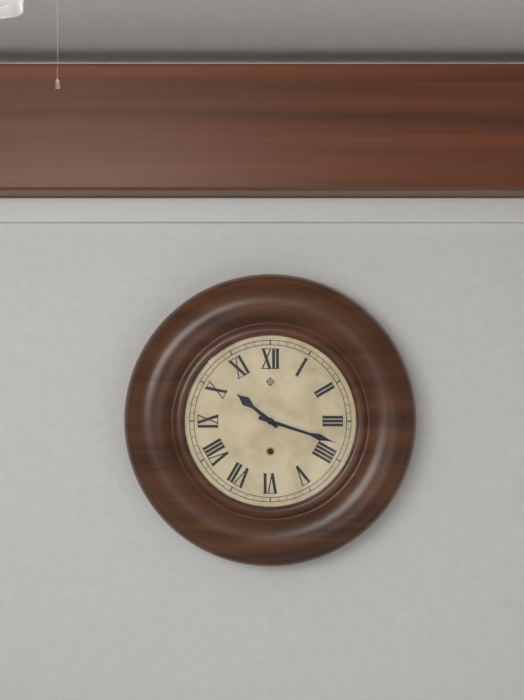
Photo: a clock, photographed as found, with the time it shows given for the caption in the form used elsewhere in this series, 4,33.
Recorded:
10,18
